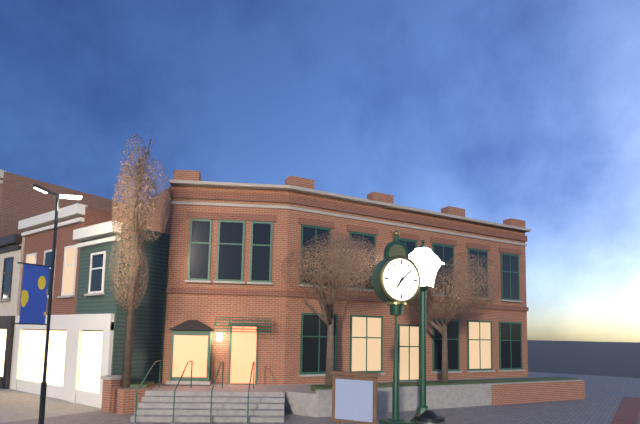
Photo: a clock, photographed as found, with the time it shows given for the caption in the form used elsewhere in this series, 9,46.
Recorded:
7,08
